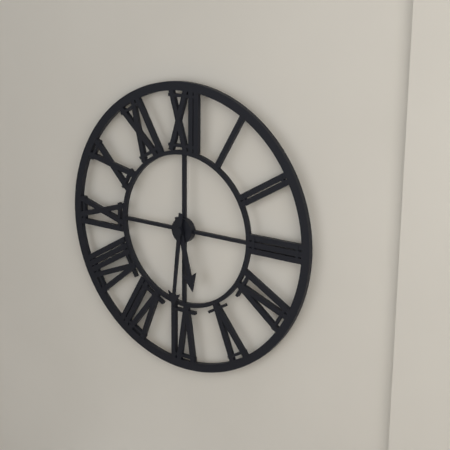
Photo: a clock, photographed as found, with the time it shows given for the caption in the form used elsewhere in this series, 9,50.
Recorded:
5,31
